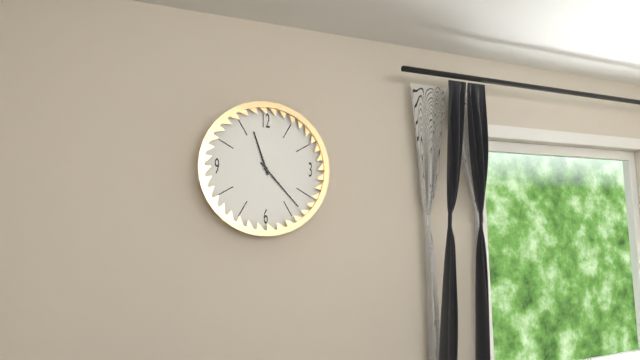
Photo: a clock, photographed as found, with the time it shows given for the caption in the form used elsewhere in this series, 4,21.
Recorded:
11,23
